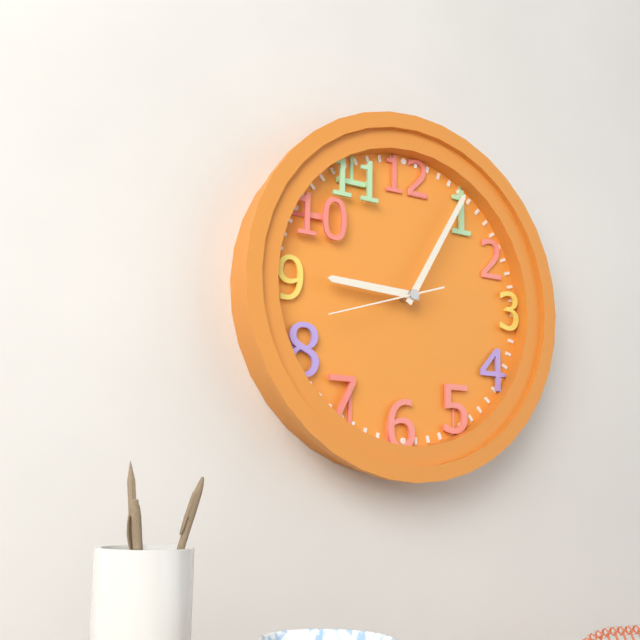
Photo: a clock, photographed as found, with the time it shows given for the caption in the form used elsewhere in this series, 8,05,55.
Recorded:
9,05,42
